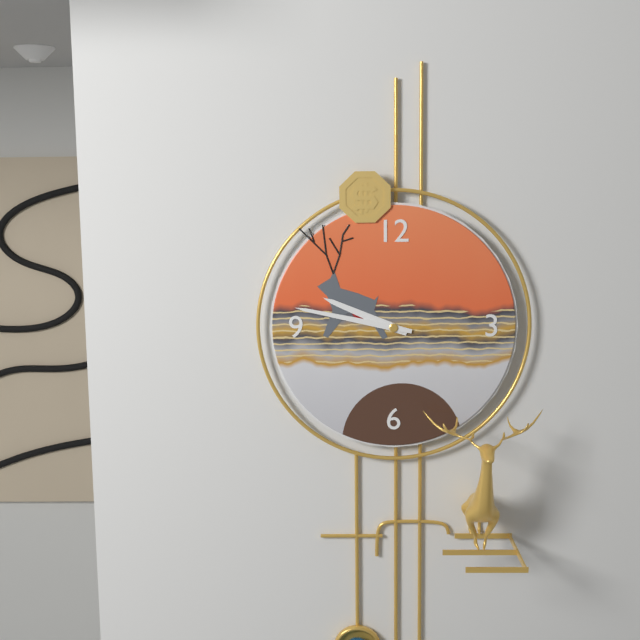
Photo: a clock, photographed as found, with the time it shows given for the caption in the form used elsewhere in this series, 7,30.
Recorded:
9,47
